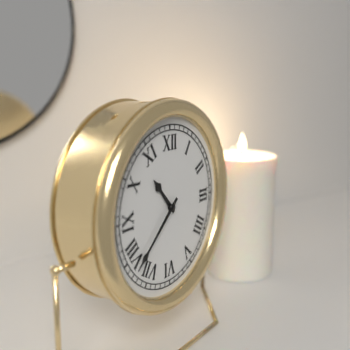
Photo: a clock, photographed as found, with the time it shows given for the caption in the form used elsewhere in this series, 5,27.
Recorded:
10,38
